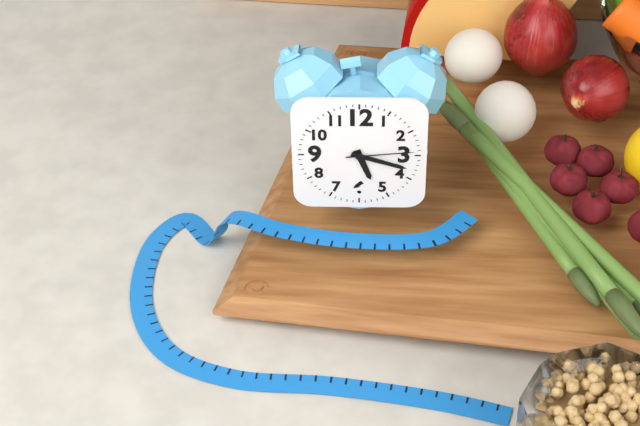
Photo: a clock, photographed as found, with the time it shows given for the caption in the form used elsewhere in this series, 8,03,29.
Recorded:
5,18,14
